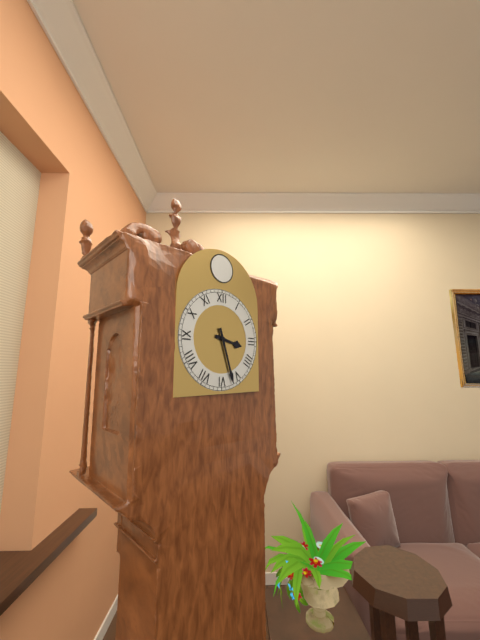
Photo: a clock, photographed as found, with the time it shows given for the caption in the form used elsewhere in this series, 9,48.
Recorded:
3,27
